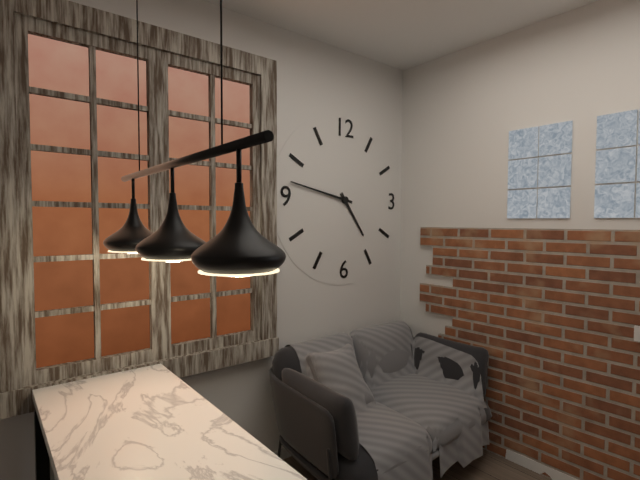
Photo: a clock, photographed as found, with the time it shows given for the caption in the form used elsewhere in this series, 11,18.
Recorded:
4,47
